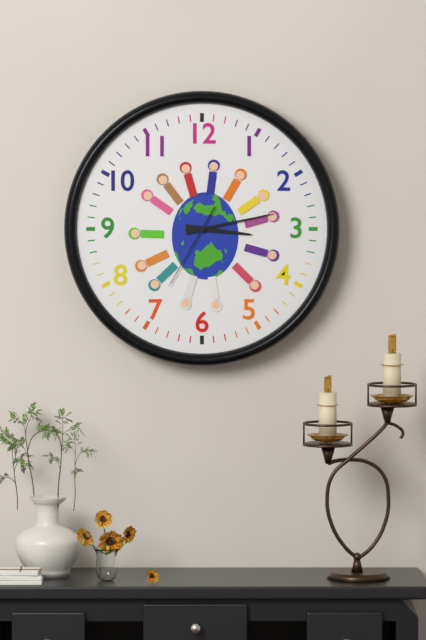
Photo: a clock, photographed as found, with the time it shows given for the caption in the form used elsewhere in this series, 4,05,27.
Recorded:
3,13,35
